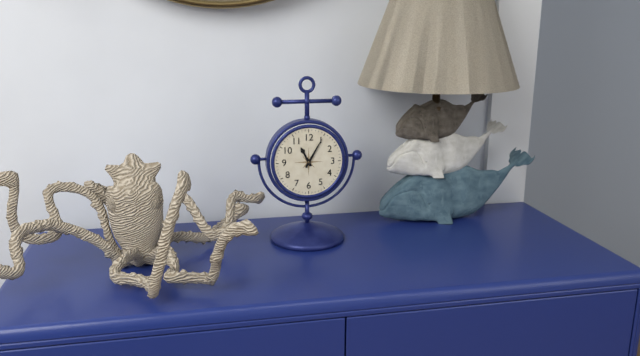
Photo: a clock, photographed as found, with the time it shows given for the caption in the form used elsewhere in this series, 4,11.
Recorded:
11,05
